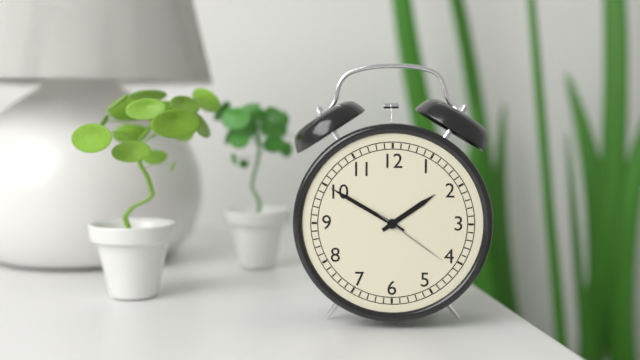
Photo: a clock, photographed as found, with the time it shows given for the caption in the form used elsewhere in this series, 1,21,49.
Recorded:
1,50,21
